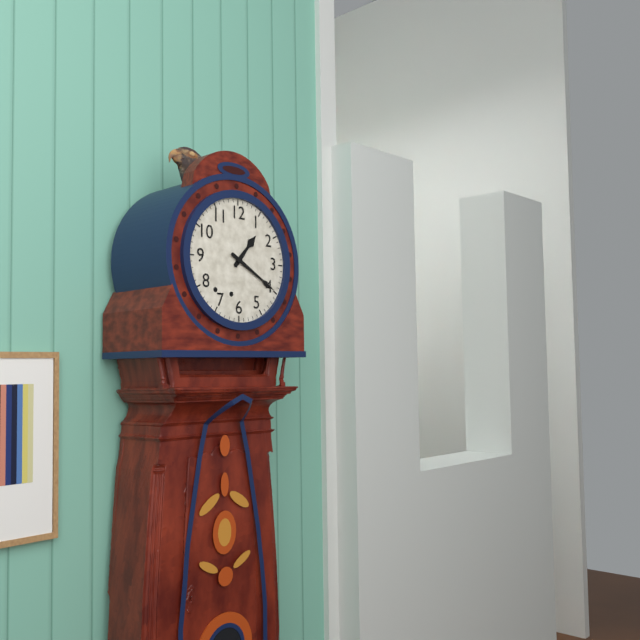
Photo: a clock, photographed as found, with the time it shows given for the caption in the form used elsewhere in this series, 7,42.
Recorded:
1,20
